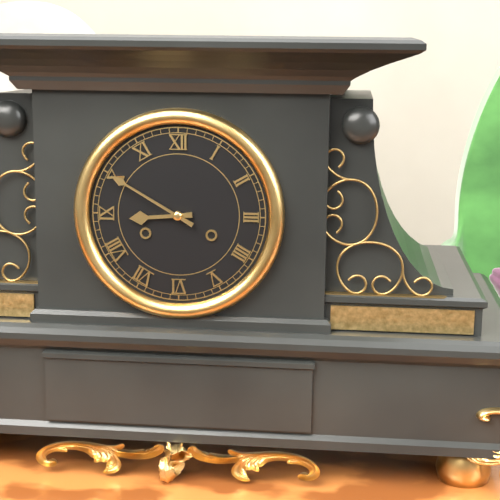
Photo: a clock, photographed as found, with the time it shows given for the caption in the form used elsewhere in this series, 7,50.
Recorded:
8,50
